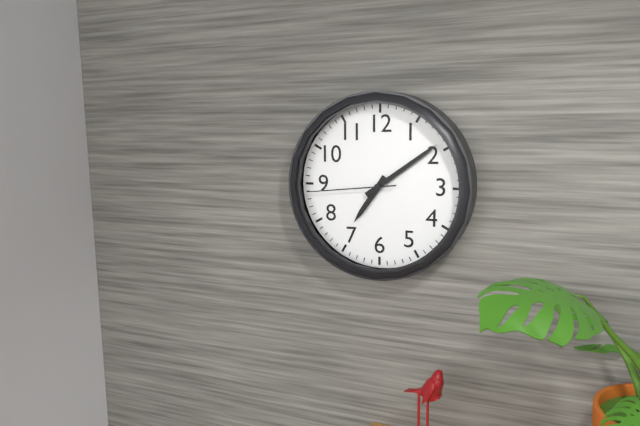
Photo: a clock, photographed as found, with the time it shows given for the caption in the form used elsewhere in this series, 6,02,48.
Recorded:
7,09,44
